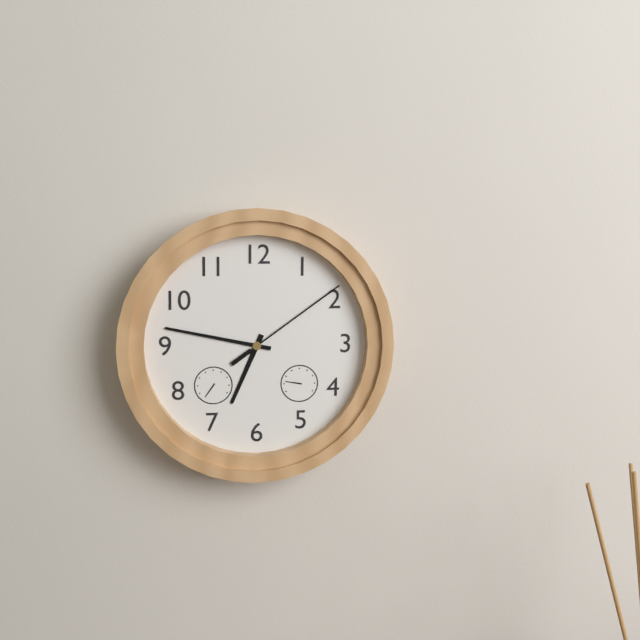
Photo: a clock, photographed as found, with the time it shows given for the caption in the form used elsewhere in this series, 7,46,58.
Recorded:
6,47,09
